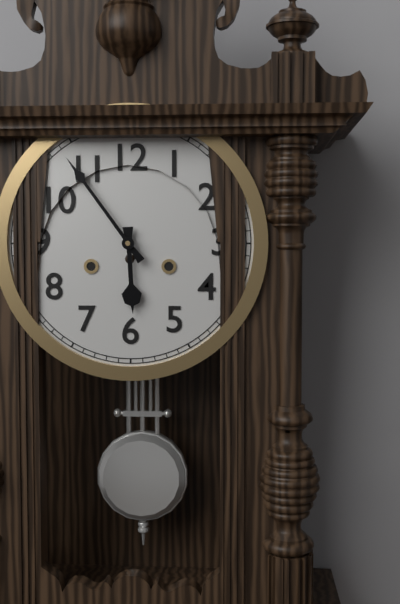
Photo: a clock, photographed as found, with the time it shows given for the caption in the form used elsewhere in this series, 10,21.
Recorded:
5,54
